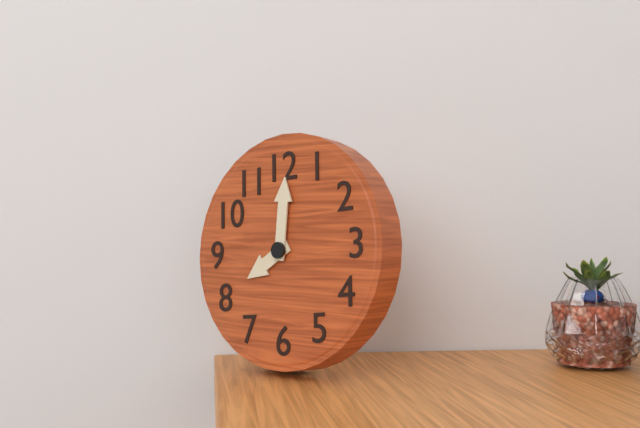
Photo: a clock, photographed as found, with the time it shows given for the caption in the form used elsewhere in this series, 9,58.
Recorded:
8,01
